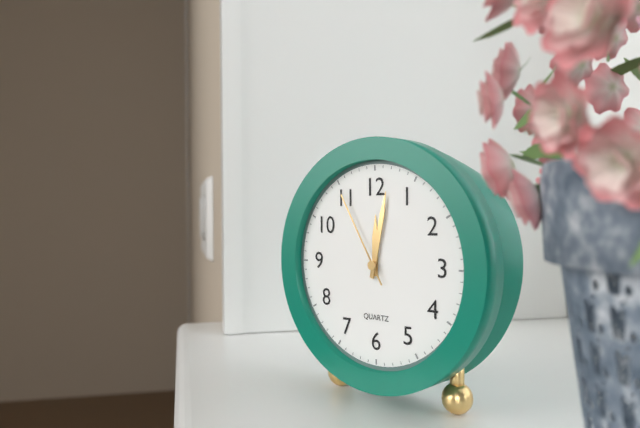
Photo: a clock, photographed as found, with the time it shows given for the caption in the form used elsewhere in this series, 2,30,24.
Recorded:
12,02,55
